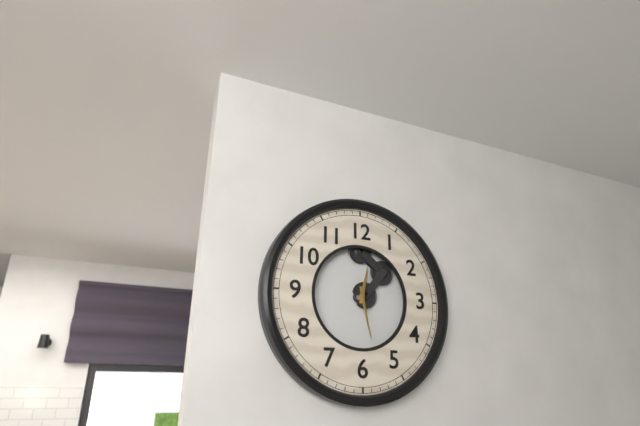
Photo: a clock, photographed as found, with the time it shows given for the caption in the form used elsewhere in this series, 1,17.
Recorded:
12,28
